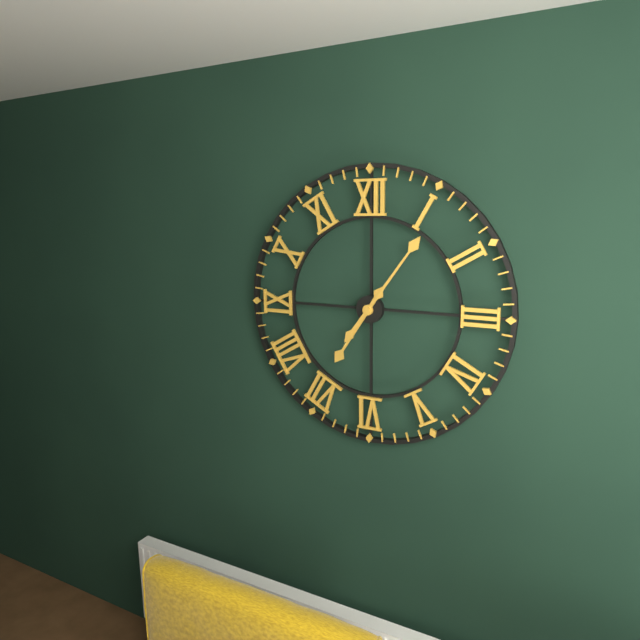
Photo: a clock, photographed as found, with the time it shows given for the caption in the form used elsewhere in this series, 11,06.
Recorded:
7,06
